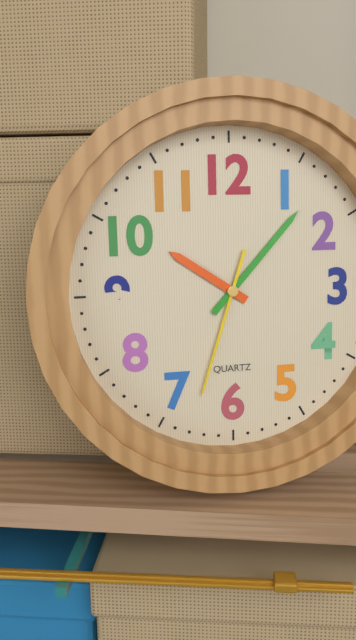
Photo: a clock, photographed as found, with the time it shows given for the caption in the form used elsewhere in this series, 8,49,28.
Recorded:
10,07,33
